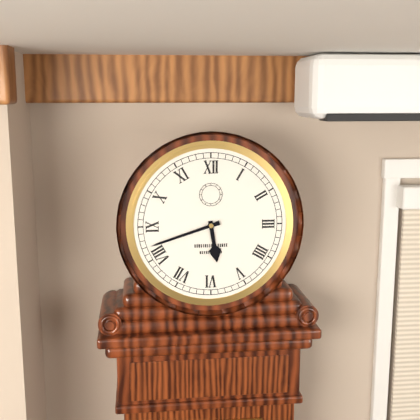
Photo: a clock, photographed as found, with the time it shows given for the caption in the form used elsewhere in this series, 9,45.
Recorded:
5,42
